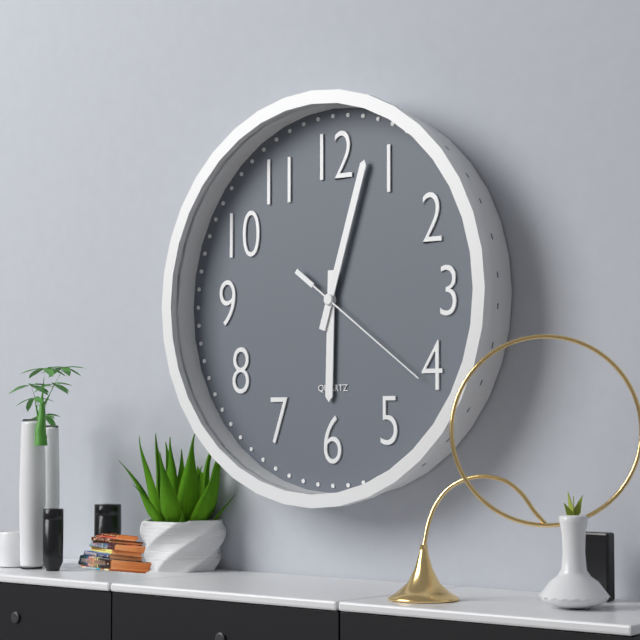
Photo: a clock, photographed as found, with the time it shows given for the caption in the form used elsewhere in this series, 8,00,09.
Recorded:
6,03,21
